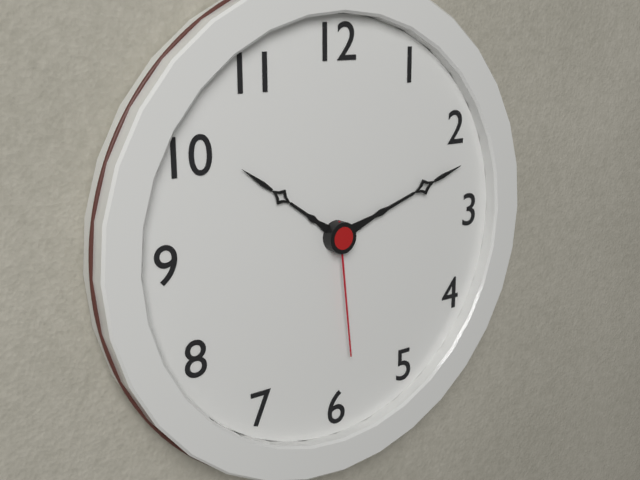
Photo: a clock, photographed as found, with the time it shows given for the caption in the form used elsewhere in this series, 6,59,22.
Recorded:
10,12,29
